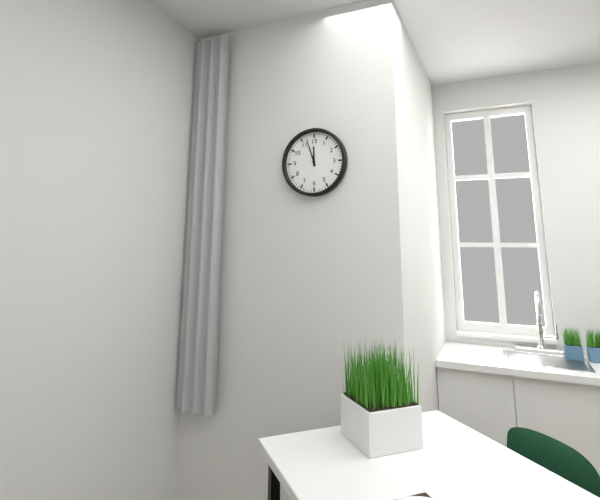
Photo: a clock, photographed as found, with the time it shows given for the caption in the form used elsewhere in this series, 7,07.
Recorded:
11,57
